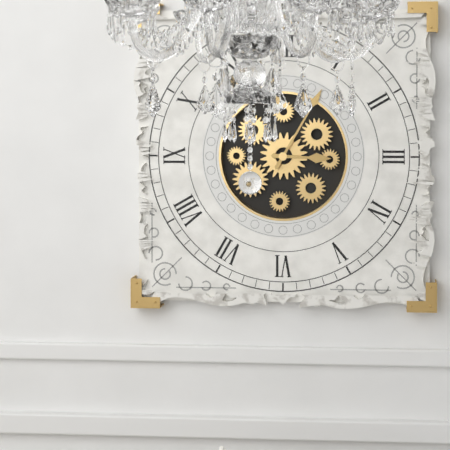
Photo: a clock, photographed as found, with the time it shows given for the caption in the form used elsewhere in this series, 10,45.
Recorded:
3,05
